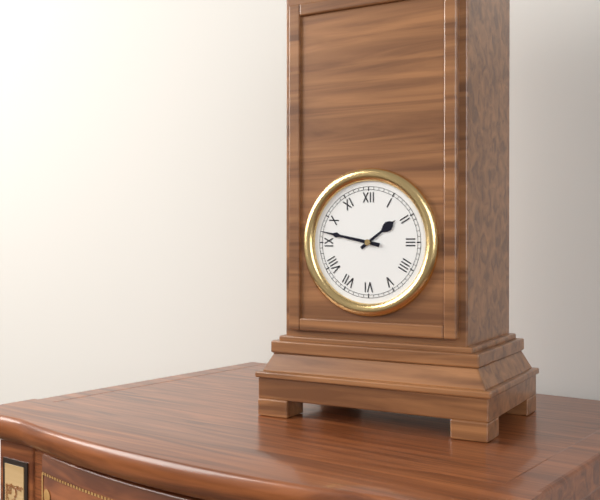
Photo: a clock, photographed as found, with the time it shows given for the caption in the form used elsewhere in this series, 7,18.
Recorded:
1,47
